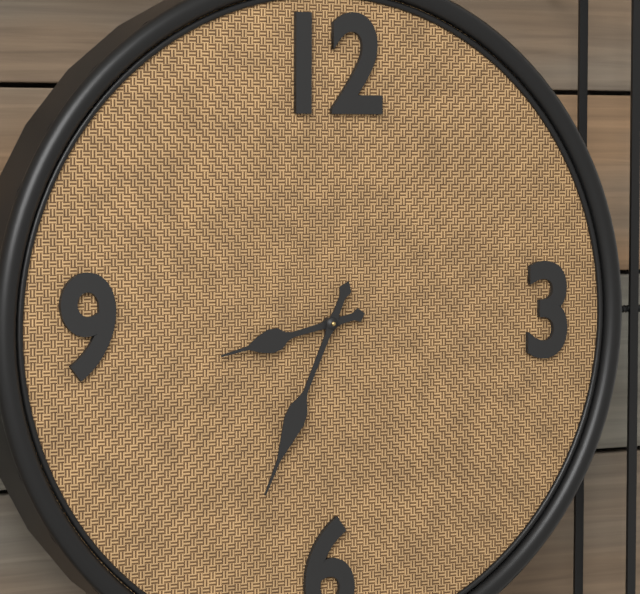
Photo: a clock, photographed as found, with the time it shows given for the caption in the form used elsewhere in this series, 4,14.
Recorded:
8,34
